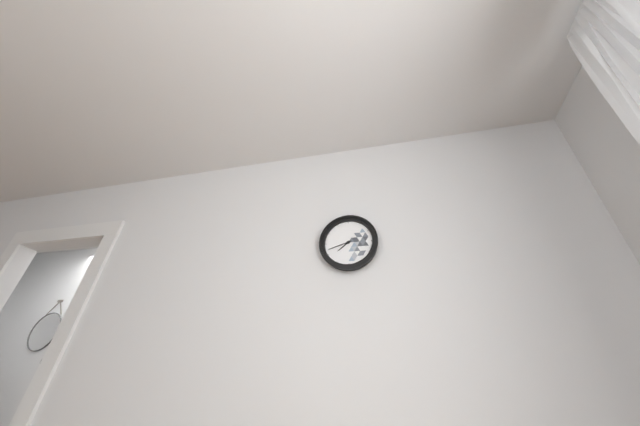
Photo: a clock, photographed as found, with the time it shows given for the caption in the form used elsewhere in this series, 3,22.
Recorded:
7,42
